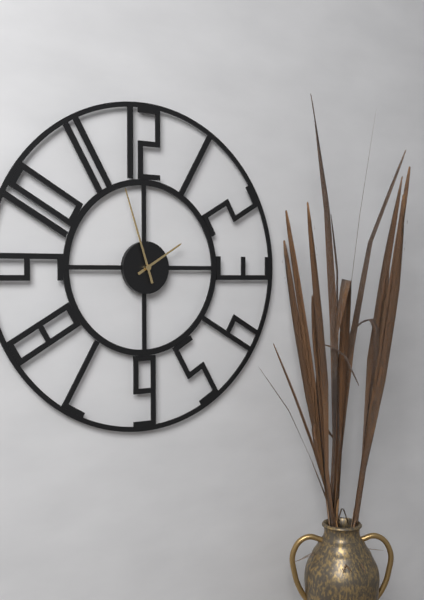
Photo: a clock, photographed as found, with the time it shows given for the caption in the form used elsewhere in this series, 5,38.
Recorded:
1,57
